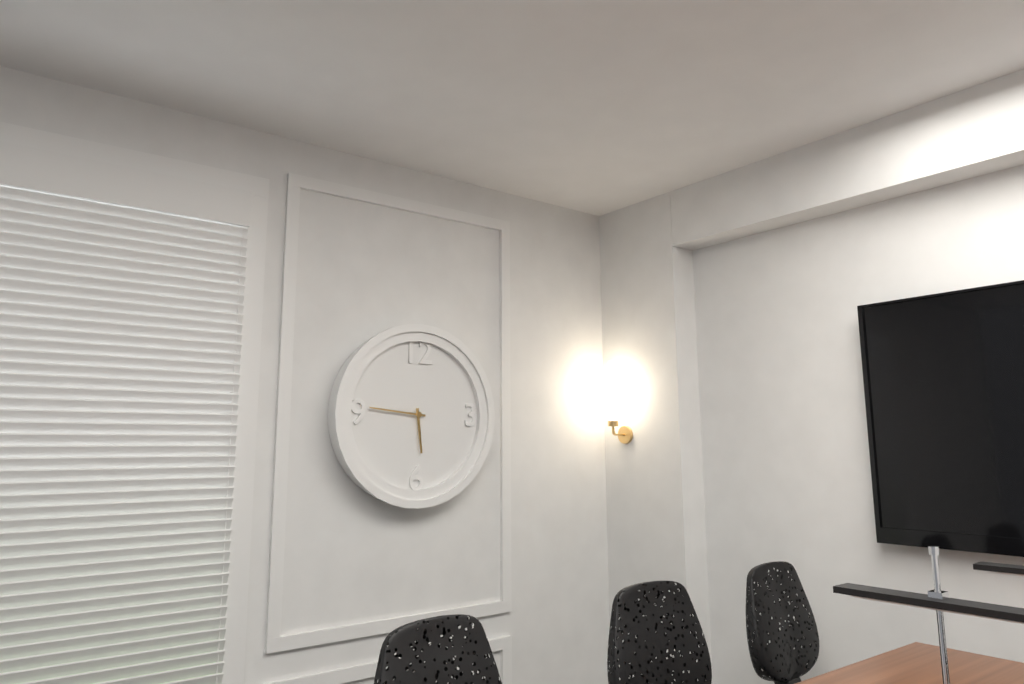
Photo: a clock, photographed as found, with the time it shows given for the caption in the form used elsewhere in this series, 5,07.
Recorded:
5,46
